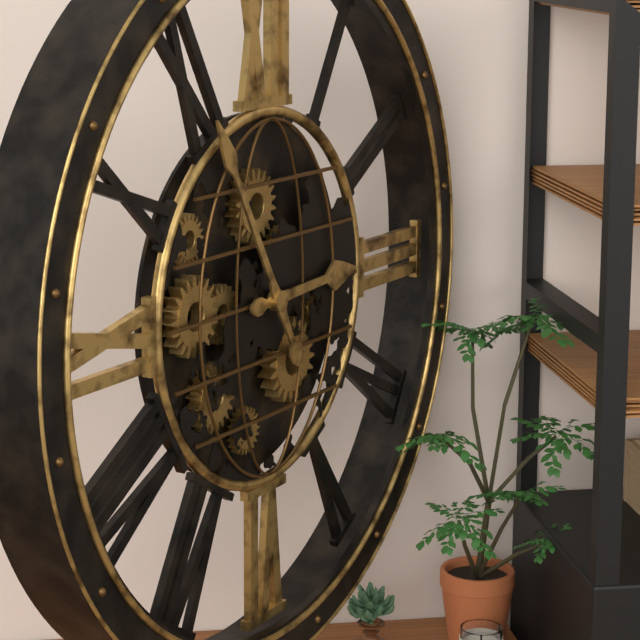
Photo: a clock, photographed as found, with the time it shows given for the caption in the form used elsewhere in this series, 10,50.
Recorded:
2,55
